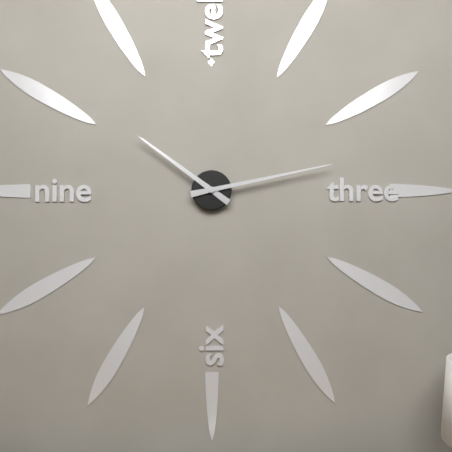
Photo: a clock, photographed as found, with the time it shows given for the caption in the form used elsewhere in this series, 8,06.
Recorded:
10,13
